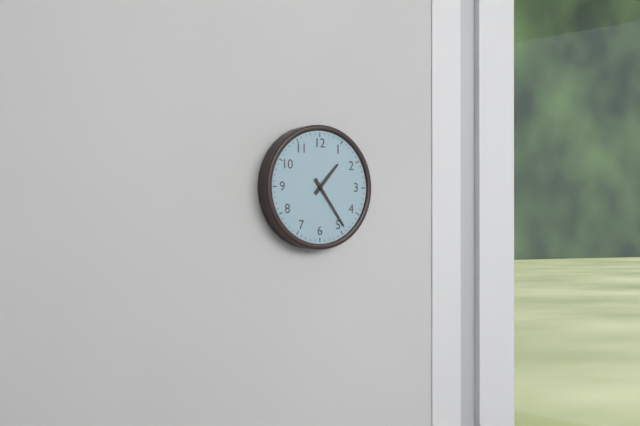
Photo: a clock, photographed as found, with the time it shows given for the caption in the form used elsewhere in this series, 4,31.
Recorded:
1,24
